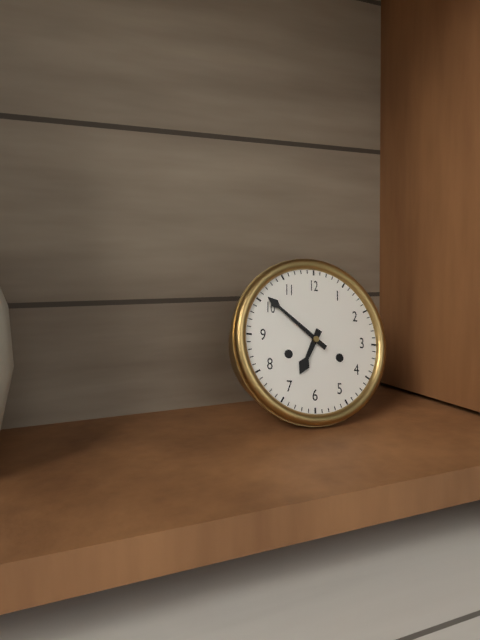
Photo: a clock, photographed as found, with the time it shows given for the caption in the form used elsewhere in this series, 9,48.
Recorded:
6,51
